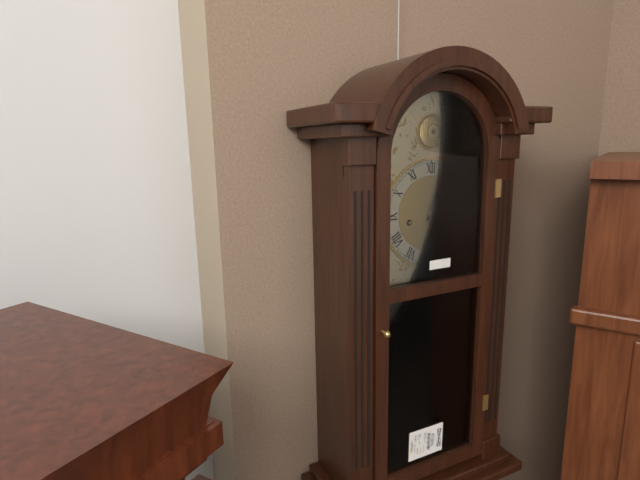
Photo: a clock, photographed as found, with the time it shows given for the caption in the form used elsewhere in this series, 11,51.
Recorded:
1,03
